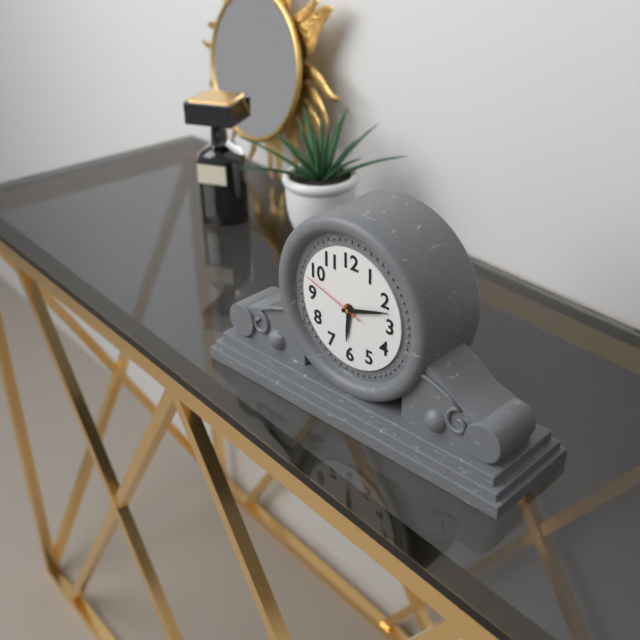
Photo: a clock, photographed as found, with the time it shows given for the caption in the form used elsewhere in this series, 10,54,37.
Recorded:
6,12,48
